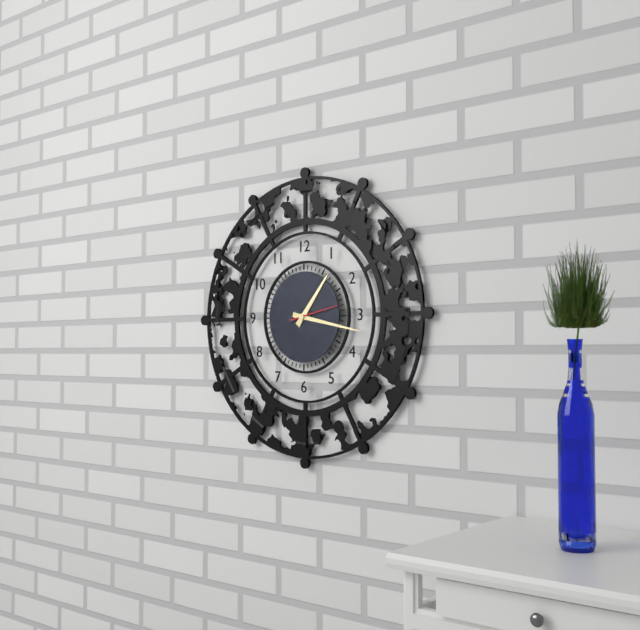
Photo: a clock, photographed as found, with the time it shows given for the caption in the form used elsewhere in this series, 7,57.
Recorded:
1,17
